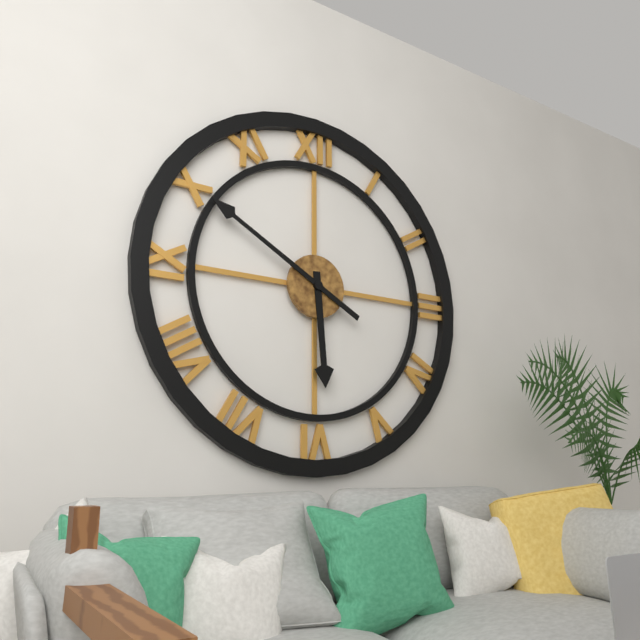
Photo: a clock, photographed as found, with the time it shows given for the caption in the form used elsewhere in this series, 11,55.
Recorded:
5,50
